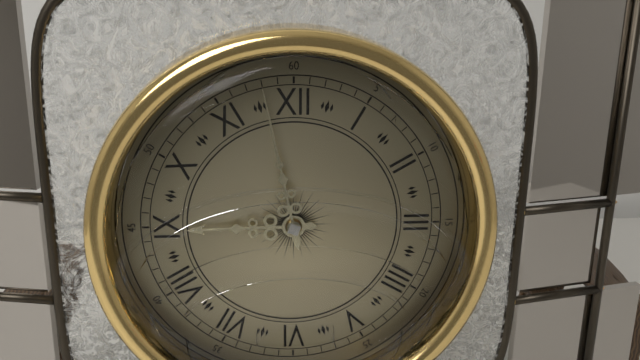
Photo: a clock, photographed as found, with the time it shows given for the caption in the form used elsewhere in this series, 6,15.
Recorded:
8,58
